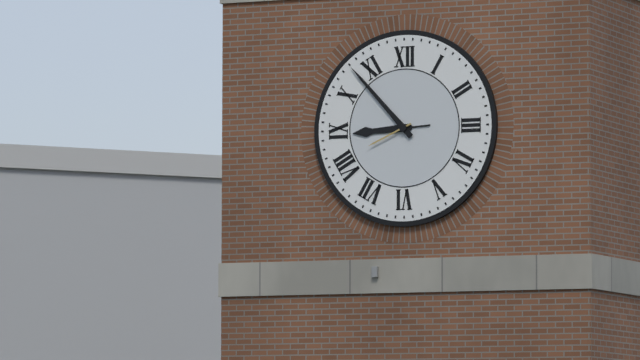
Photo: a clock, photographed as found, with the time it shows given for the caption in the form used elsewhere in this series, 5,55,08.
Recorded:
8,53,41
